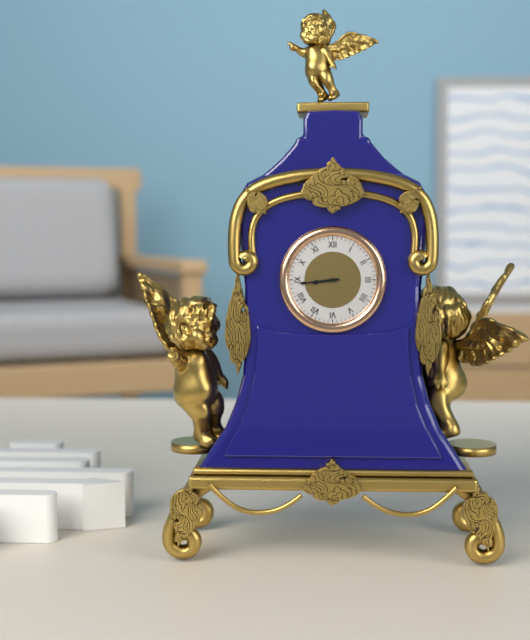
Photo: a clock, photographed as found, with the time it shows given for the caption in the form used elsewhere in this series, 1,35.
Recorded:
8,44
